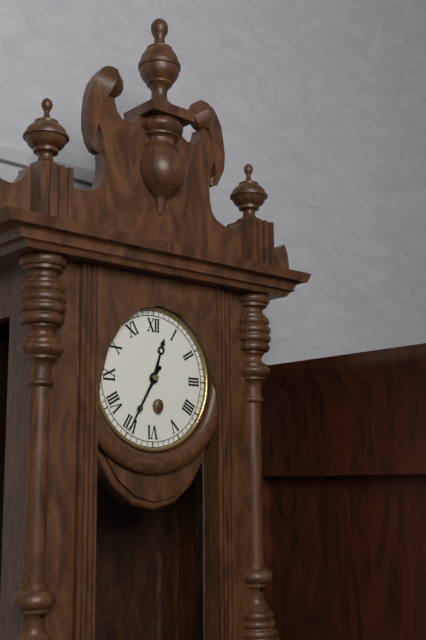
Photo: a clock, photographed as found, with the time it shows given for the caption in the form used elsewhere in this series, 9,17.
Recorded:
12,35
